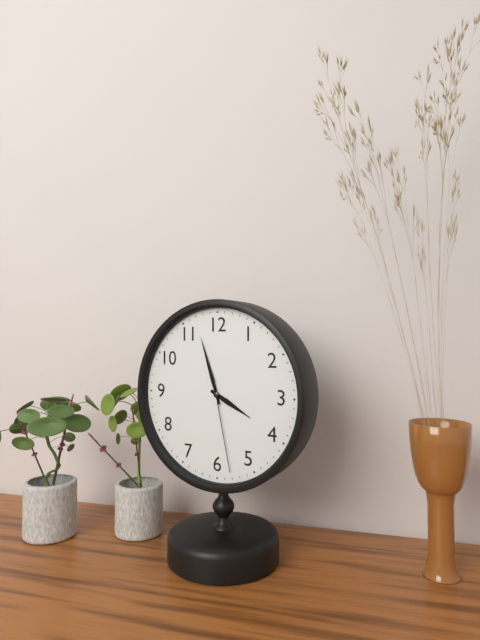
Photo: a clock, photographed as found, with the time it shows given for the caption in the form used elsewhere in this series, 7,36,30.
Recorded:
3,57,28
